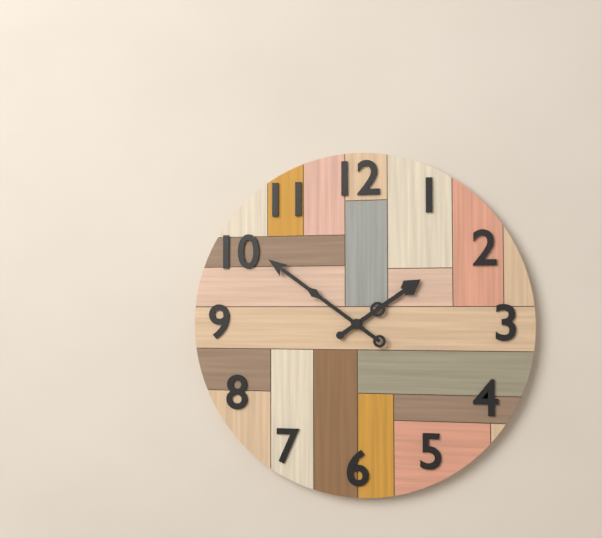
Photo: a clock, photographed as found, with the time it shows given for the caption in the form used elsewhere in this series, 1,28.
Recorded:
1,51
